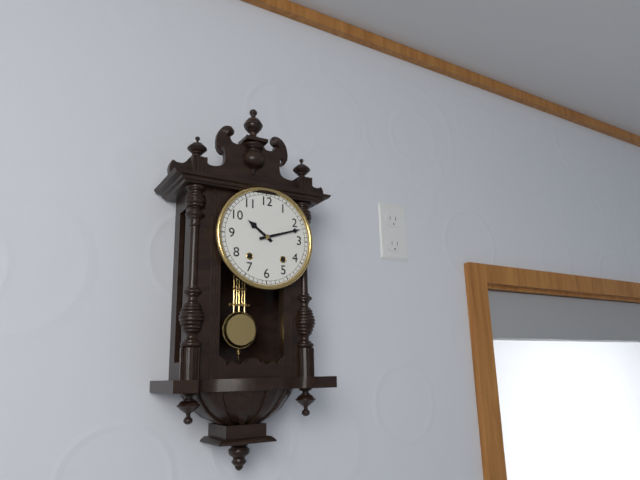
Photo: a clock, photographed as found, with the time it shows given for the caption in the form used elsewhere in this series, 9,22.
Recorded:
10,12
